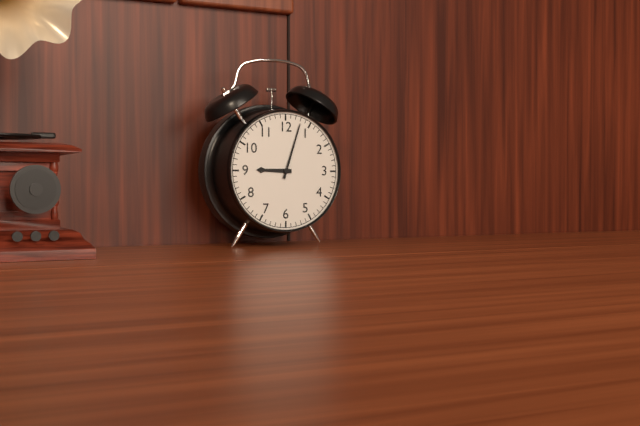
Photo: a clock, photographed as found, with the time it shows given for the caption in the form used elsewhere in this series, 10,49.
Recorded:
9,03
